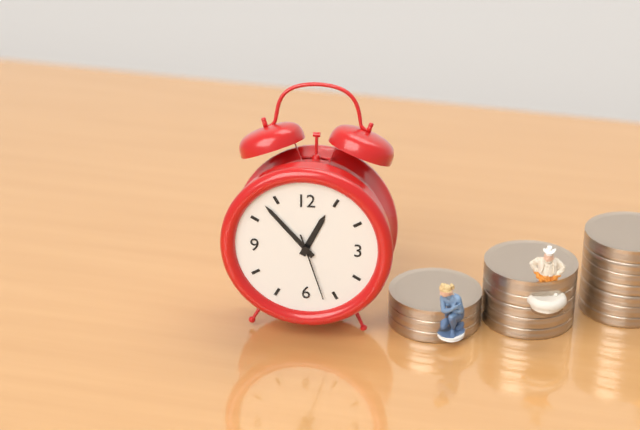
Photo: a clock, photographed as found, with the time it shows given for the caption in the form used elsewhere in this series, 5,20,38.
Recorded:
12,53,27
